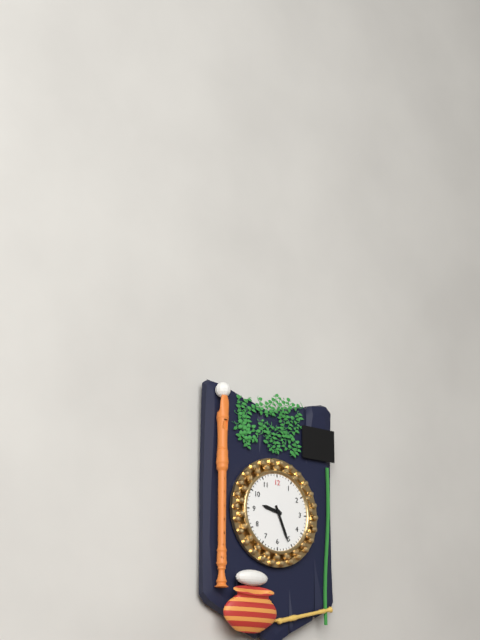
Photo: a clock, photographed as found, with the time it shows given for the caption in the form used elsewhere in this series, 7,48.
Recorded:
9,26
